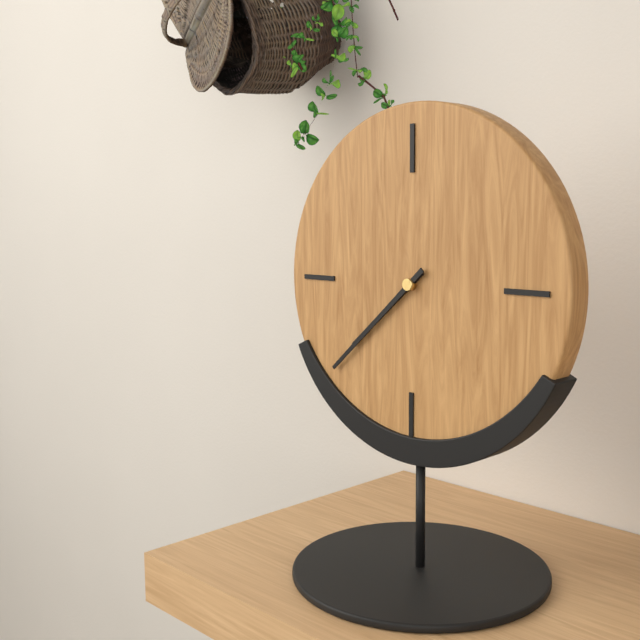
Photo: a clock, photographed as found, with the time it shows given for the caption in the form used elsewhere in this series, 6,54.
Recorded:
7,38
